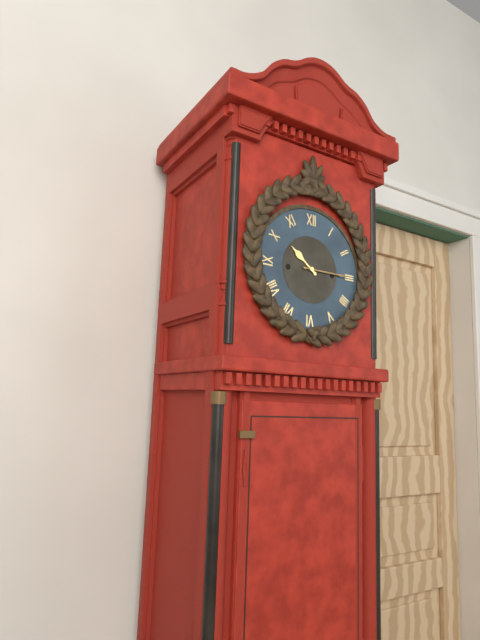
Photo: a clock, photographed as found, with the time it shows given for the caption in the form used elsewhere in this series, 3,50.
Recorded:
10,15
